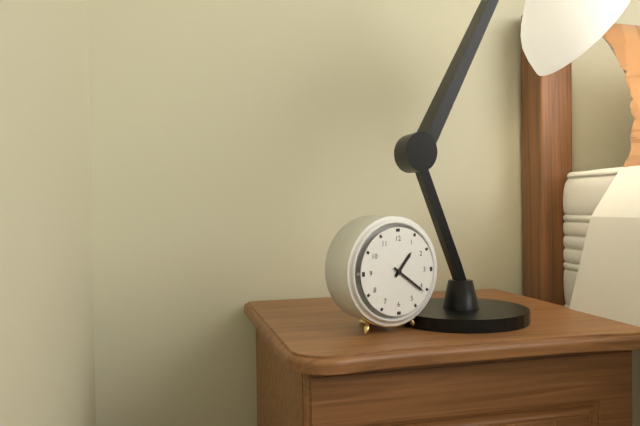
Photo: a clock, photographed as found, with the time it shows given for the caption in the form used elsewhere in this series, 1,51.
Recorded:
1,21
